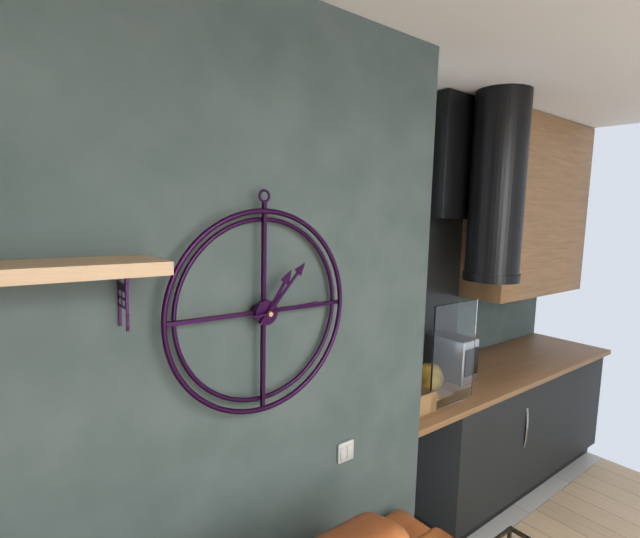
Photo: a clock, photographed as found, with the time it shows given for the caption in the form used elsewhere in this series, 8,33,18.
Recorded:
1,07,14
